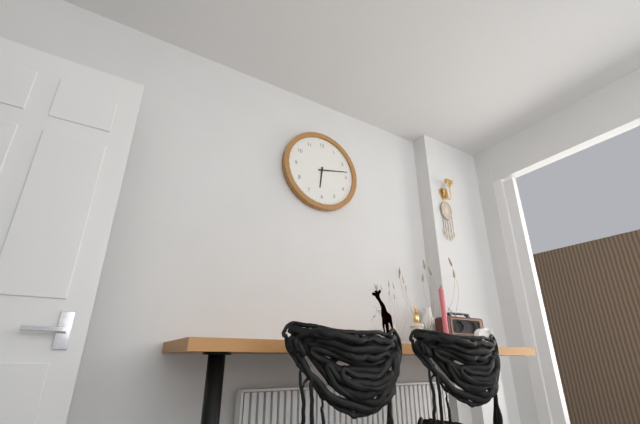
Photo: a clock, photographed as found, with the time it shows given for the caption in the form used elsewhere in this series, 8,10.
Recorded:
6,13
